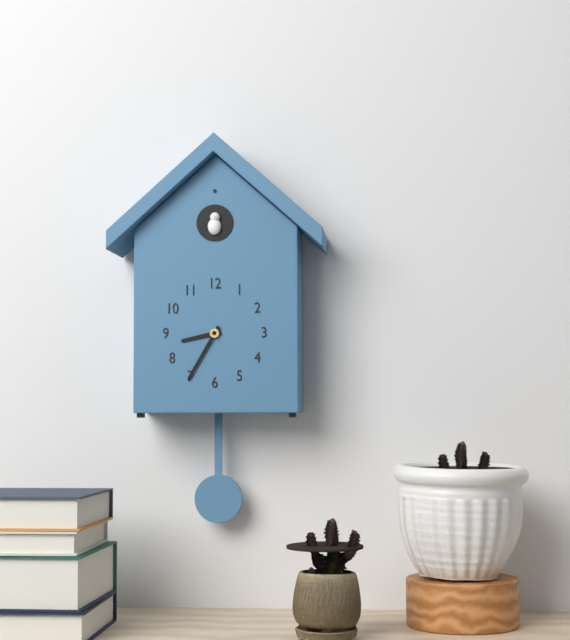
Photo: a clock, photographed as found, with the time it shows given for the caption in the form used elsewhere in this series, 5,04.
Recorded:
8,35
